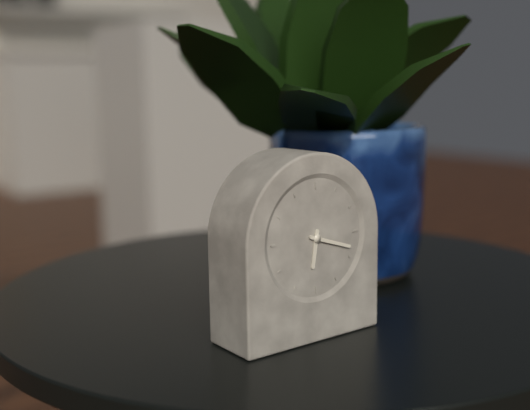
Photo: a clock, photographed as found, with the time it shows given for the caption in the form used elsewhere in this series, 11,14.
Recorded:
6,18
